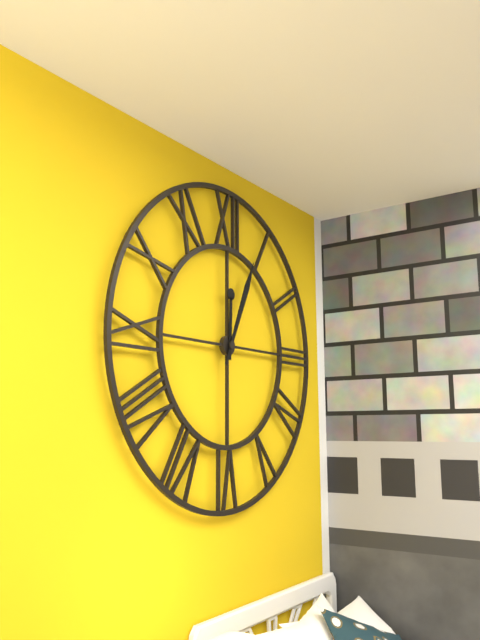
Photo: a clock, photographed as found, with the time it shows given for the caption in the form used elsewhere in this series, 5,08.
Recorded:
12,04
